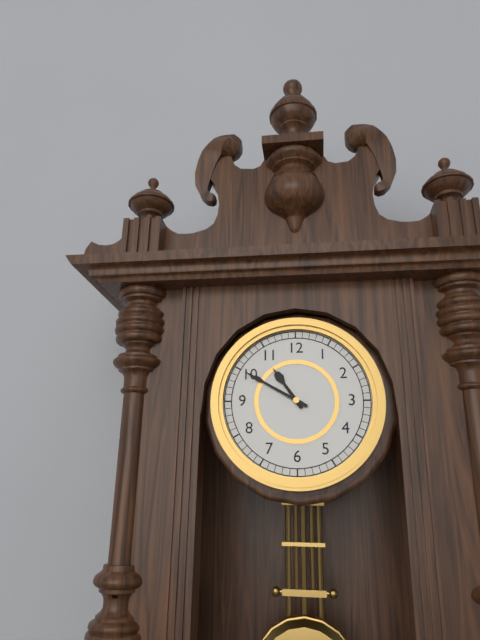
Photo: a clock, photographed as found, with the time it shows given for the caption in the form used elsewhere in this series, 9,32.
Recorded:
10,50
